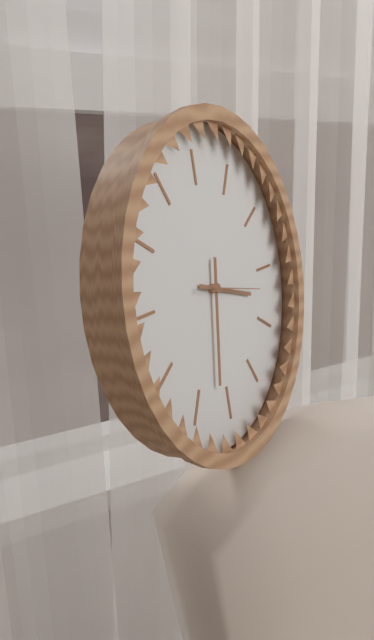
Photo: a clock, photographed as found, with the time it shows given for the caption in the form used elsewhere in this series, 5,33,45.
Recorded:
3,32,17
